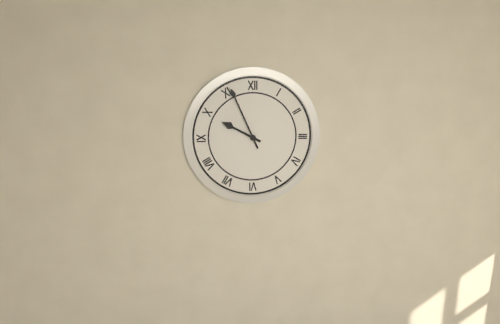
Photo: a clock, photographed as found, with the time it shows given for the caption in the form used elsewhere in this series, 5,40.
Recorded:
9,56
